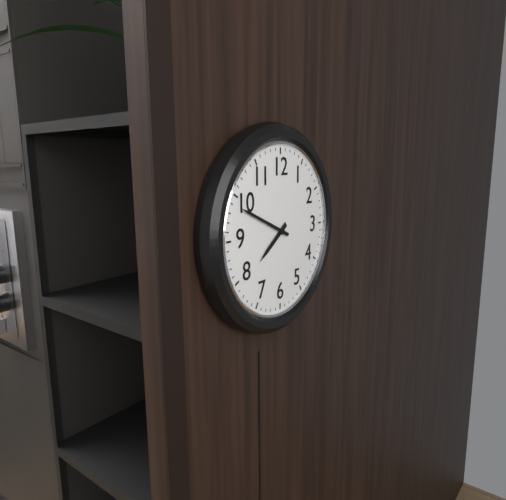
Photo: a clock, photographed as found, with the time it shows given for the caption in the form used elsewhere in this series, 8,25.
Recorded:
7,49
